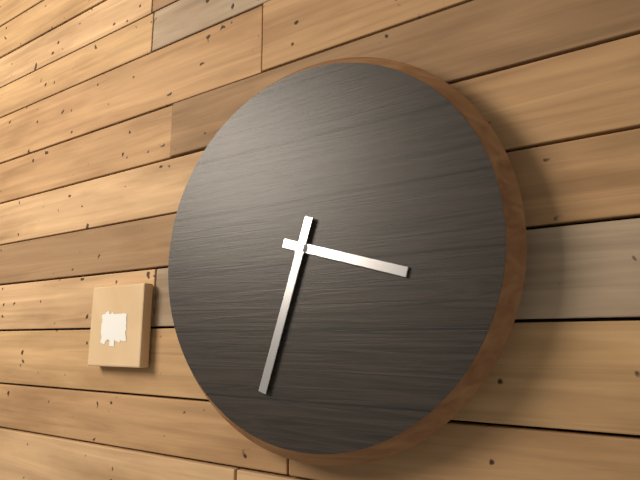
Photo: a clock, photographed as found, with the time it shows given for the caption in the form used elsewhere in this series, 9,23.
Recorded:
3,33
